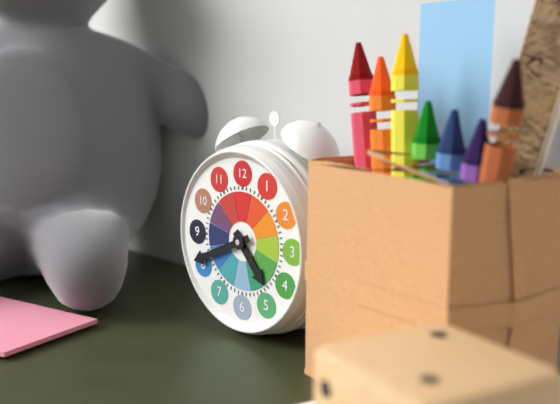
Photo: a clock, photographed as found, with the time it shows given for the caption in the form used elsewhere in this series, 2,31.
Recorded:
4,41
